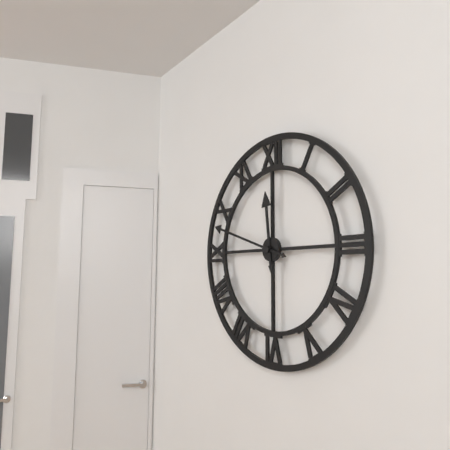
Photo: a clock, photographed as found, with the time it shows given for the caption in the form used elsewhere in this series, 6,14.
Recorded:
11,48
